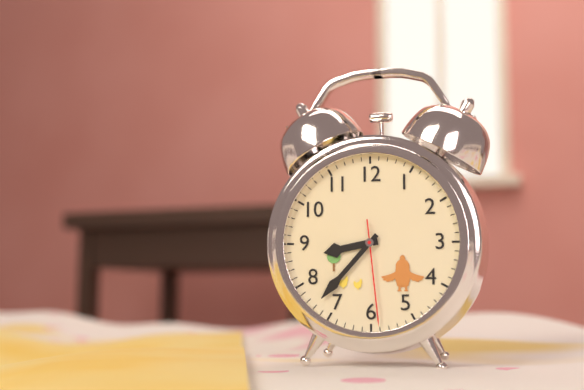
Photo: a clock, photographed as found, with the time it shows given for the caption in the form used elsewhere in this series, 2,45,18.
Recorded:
8,37,29
